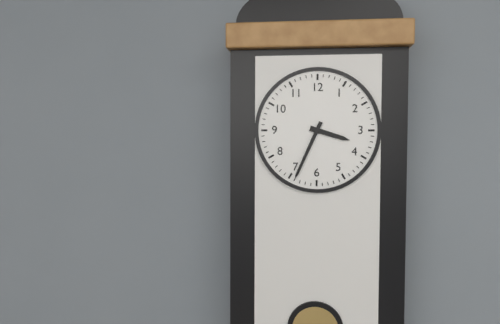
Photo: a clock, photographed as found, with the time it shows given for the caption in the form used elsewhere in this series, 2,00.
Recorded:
3,34
